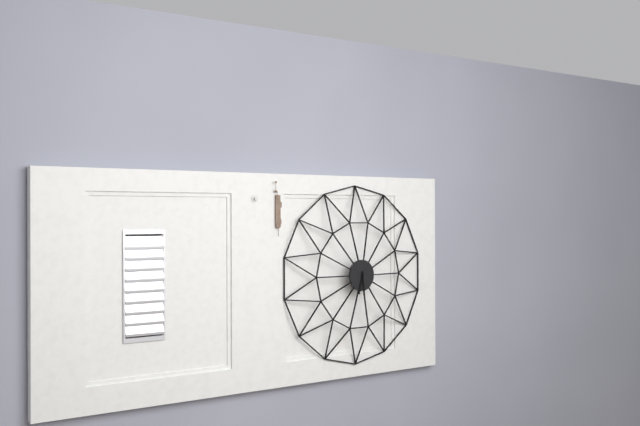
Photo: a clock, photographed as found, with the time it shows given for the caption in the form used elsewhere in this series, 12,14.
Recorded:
6,29
